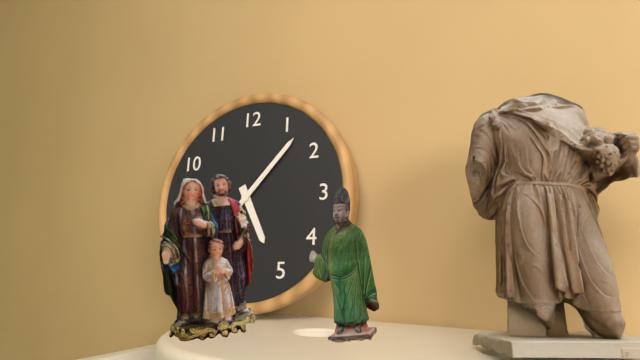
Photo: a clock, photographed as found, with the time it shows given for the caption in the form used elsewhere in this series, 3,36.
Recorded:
5,07
